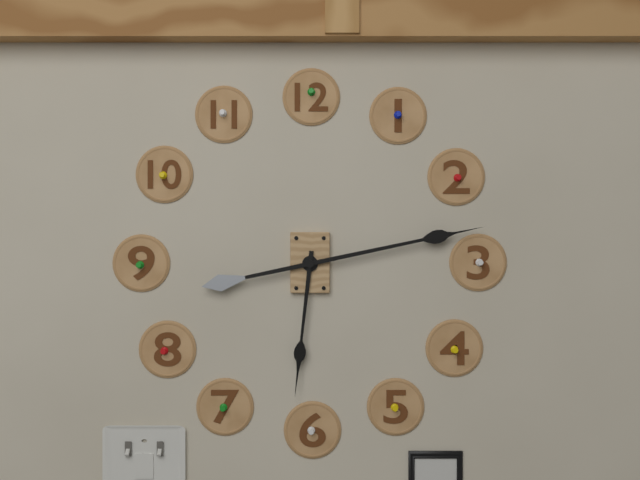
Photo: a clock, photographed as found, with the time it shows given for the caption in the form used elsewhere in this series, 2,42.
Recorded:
6,13
